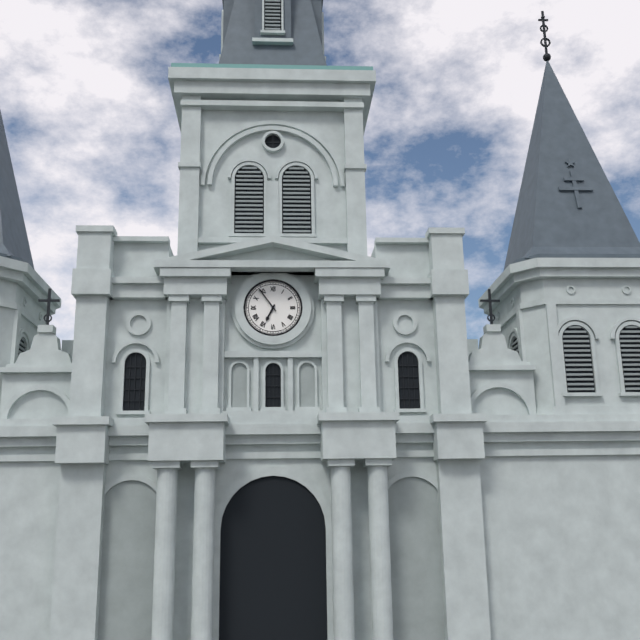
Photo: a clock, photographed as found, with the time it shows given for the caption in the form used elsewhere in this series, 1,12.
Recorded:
6,54
